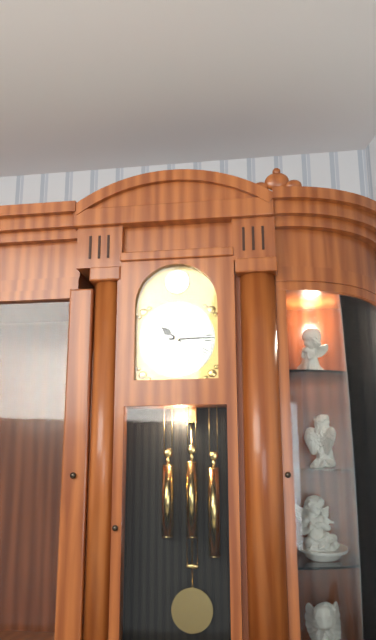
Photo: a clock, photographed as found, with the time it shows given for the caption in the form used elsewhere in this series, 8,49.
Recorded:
10,15
